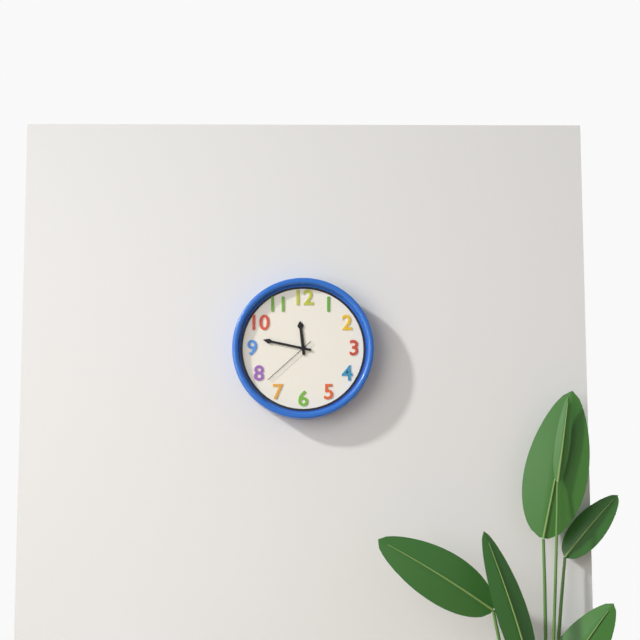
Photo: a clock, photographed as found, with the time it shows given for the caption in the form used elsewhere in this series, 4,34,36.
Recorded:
11,47,38
